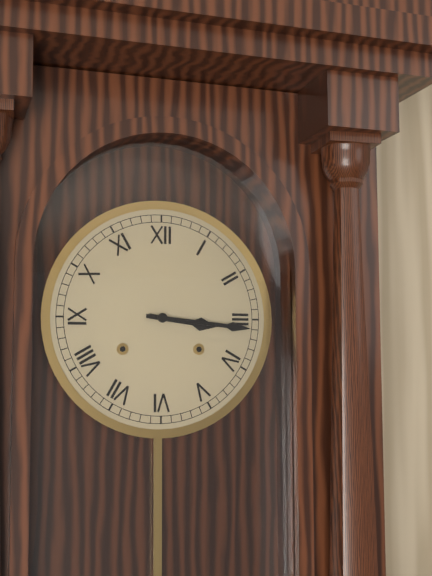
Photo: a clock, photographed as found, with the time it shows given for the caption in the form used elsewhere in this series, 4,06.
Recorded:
3,16
